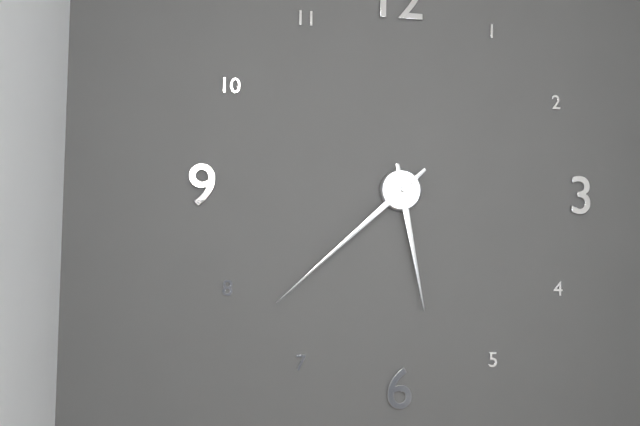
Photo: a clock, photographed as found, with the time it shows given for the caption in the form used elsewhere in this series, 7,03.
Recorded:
5,38
